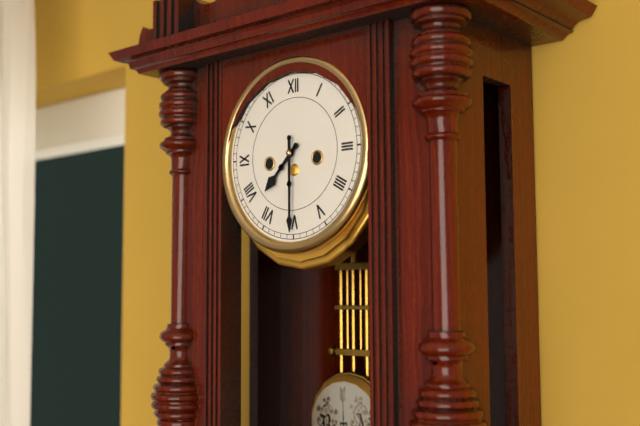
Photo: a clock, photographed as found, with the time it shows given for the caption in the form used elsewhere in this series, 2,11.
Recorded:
7,30
